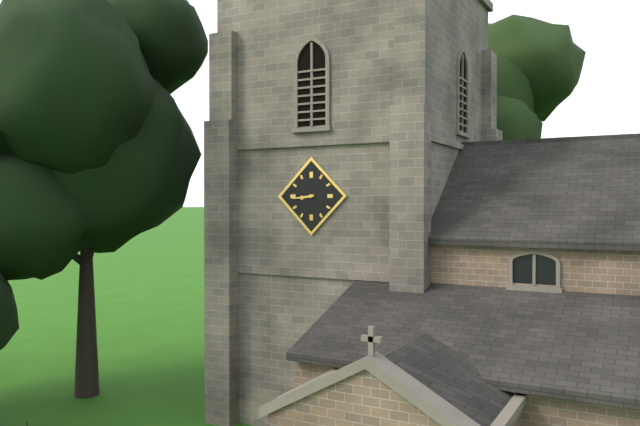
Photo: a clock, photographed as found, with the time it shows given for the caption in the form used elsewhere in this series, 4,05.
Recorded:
8,44
